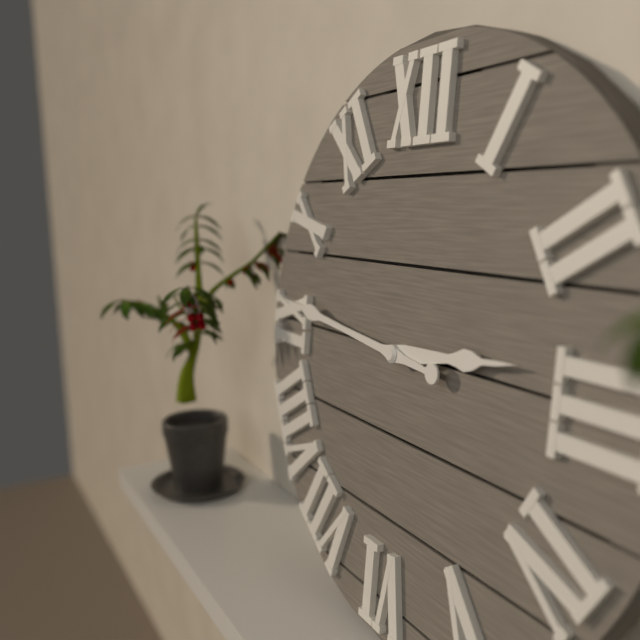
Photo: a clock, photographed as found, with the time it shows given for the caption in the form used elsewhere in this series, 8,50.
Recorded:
2,46
